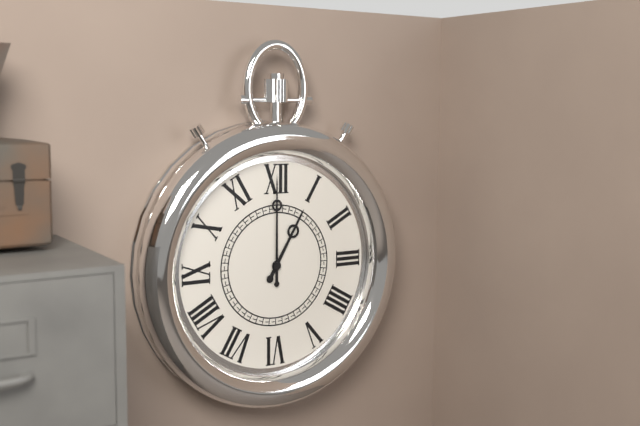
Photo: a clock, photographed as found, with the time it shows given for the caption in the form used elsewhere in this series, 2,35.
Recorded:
1,00
